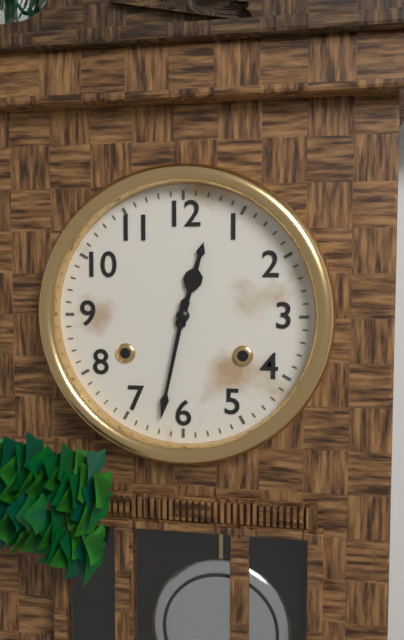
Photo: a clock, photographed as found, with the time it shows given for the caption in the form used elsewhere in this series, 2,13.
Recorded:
12,32
